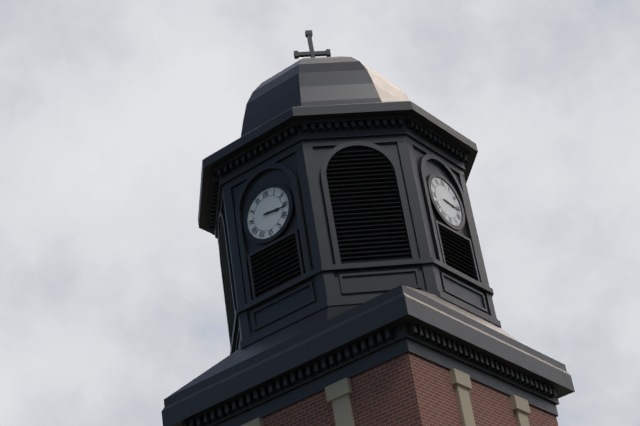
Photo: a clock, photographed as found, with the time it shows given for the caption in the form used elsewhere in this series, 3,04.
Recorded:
3,16
